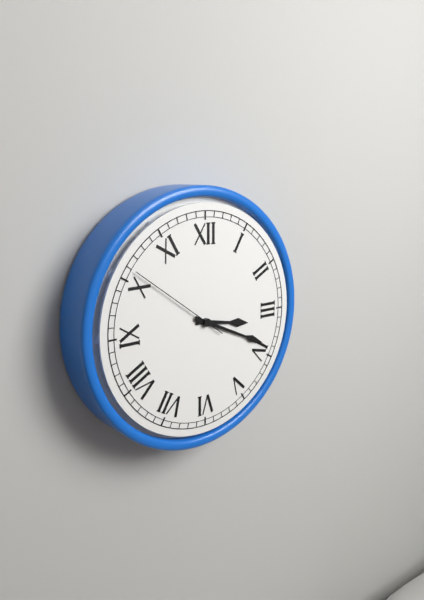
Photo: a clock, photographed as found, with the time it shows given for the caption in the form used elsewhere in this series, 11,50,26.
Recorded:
3,19,51
